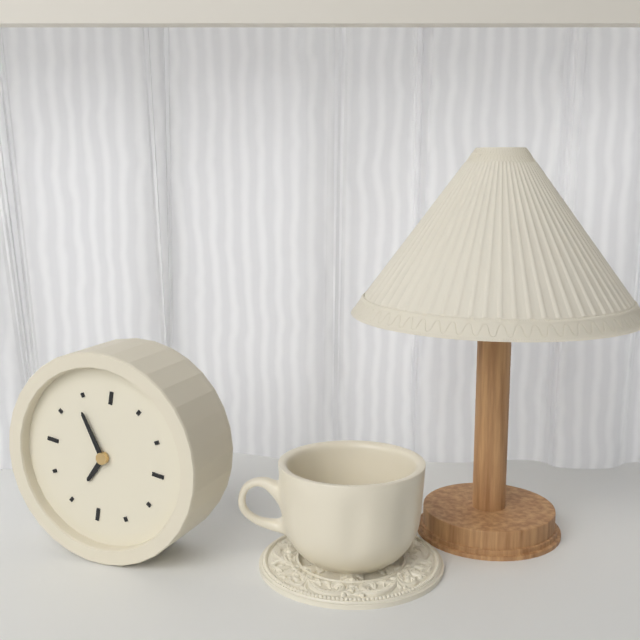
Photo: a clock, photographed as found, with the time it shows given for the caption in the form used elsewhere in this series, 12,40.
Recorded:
6,54
